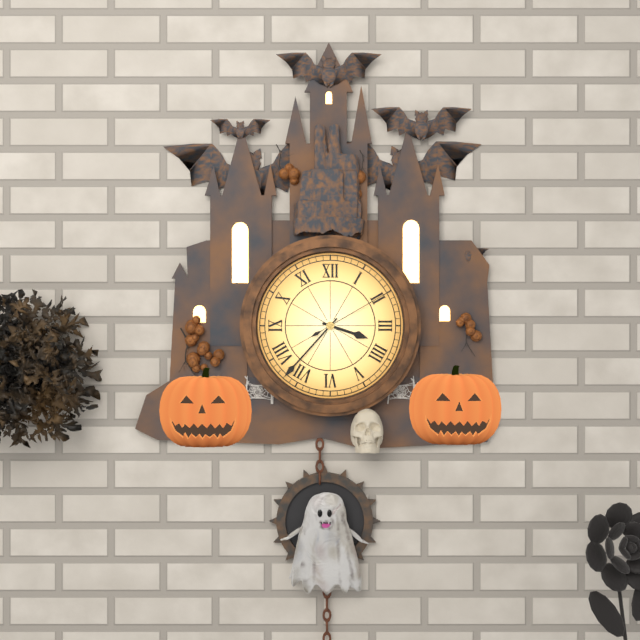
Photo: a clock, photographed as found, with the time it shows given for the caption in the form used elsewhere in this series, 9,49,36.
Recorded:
3,37,10
